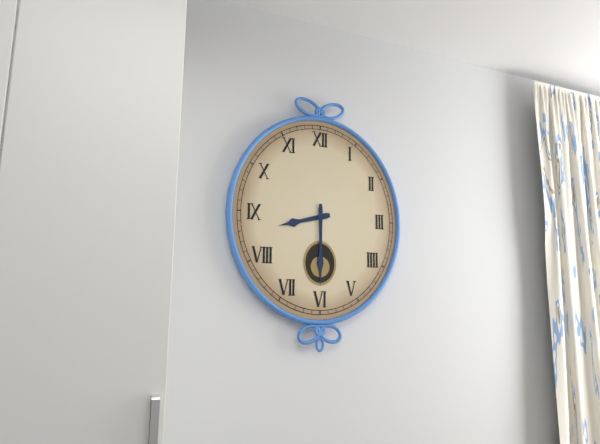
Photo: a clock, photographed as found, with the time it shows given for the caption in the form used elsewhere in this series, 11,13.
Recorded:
8,30
